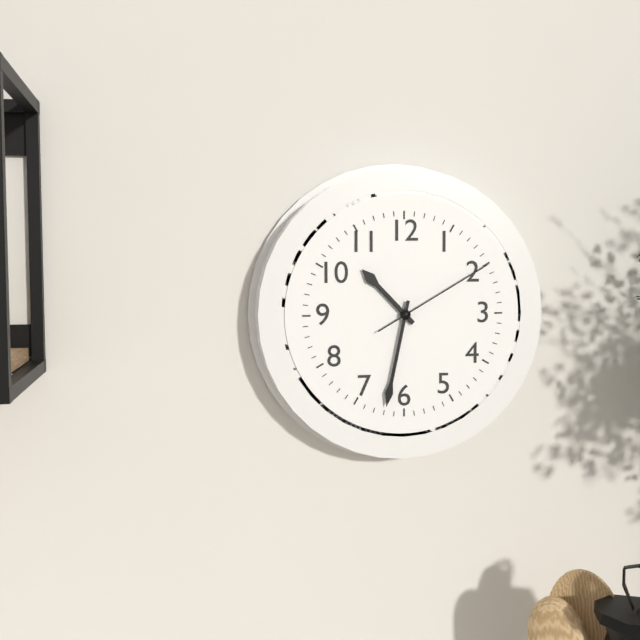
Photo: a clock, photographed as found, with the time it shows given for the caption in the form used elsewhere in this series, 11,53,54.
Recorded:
10,32,10
